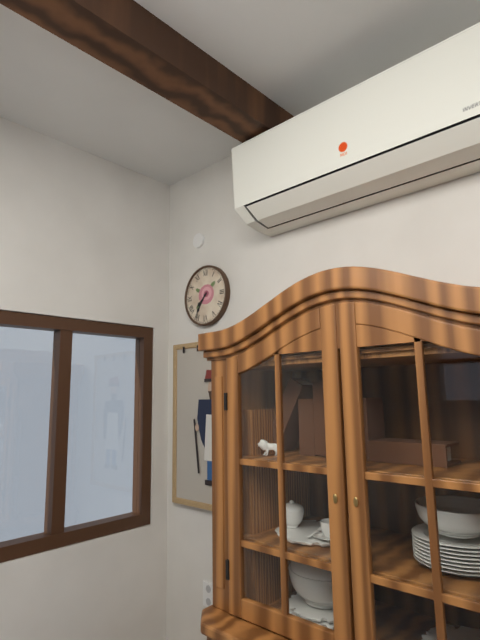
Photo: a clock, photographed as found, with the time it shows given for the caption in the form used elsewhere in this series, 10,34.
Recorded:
7,36
